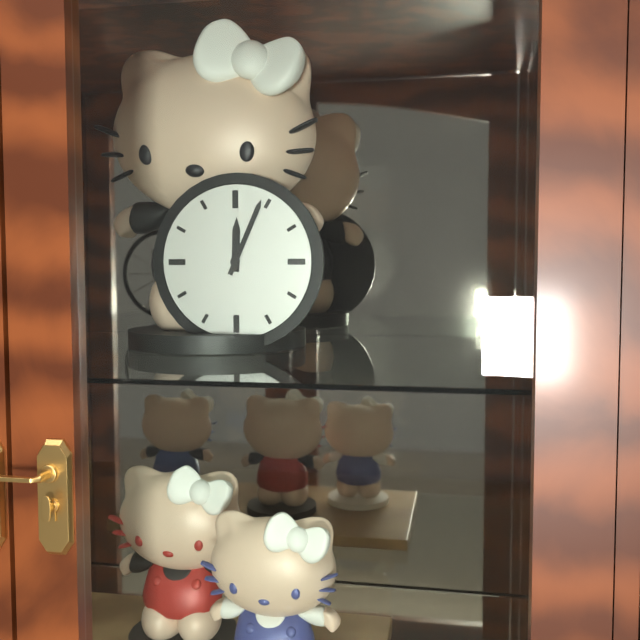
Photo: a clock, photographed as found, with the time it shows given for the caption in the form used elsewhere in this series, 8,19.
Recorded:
12,04
